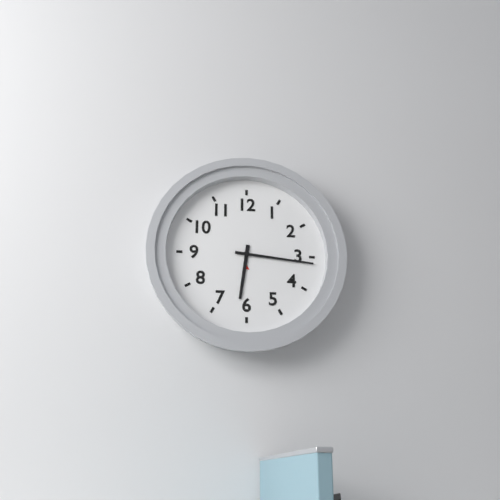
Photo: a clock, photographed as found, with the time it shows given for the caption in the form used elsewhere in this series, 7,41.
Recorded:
6,16
